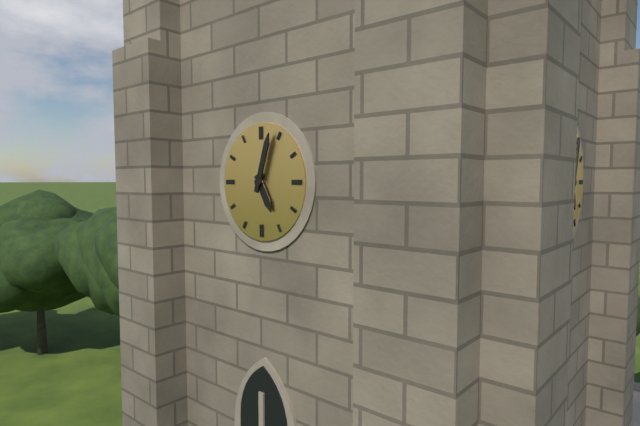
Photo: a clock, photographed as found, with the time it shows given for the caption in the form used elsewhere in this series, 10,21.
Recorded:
5,03
